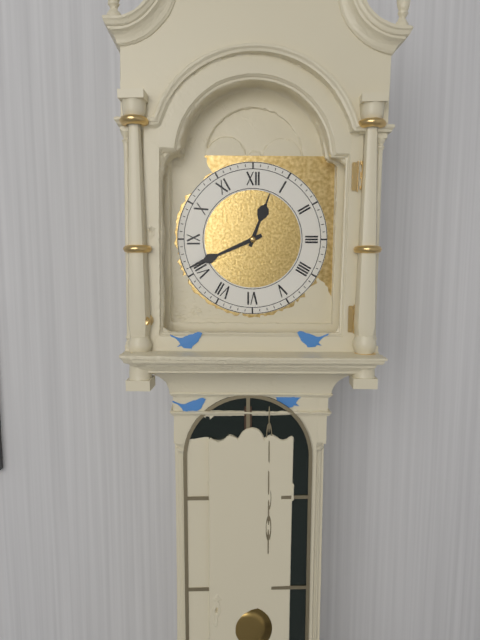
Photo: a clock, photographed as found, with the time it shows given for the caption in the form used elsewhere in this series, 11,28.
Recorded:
12,41
